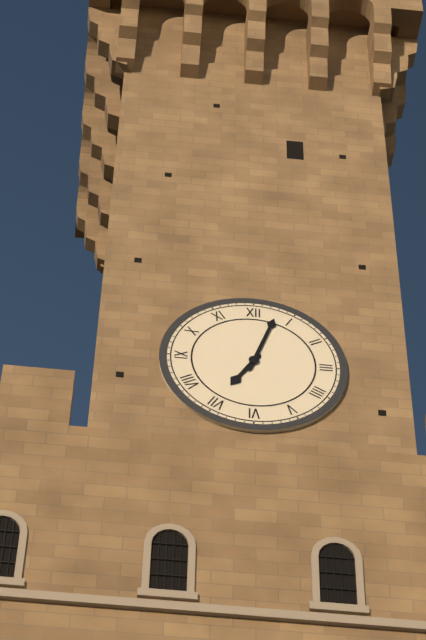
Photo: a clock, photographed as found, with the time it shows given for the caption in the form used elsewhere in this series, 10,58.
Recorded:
7,03
